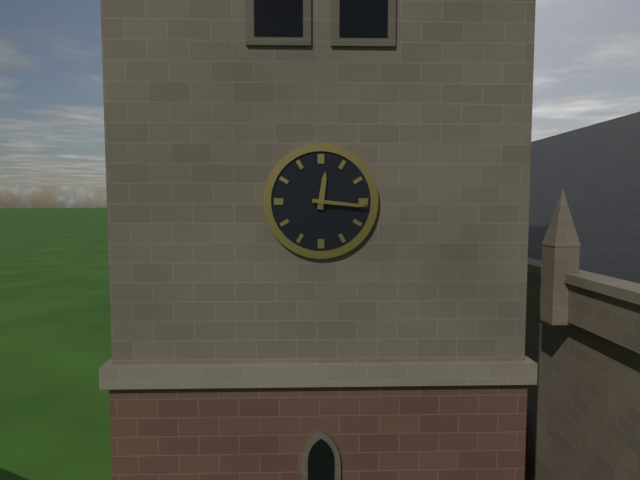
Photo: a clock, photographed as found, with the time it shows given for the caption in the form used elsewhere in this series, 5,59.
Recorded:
12,16
